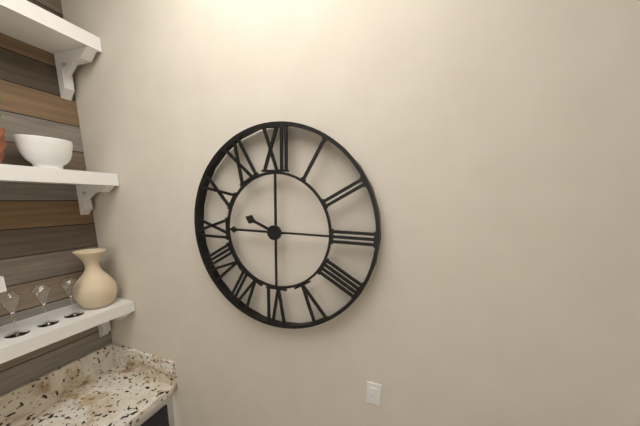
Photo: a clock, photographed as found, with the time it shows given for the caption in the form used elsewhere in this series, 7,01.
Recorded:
9,45
